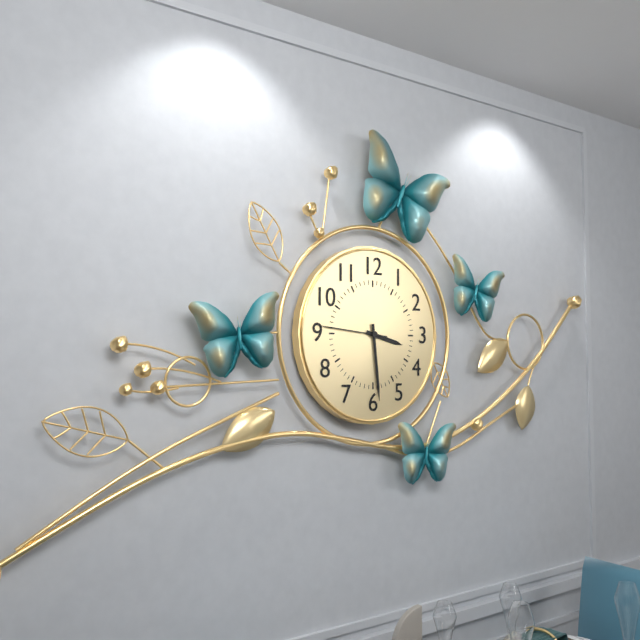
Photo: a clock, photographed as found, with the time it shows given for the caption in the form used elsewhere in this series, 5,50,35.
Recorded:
3,29,46
